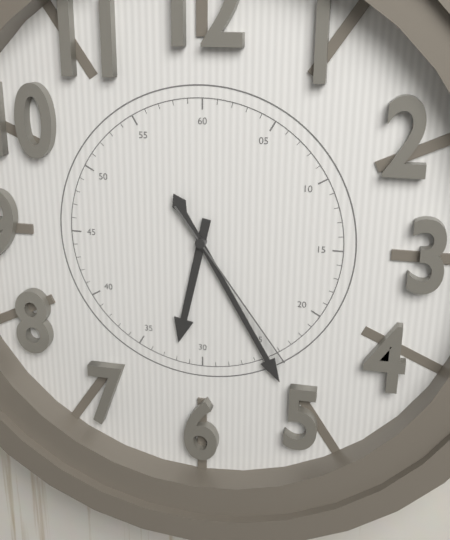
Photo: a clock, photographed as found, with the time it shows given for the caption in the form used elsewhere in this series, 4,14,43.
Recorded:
6,25,24
